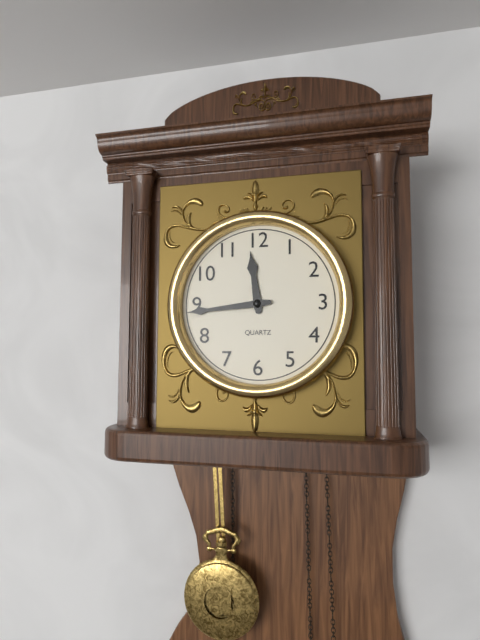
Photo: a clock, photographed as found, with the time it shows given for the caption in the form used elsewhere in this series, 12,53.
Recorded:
11,44
